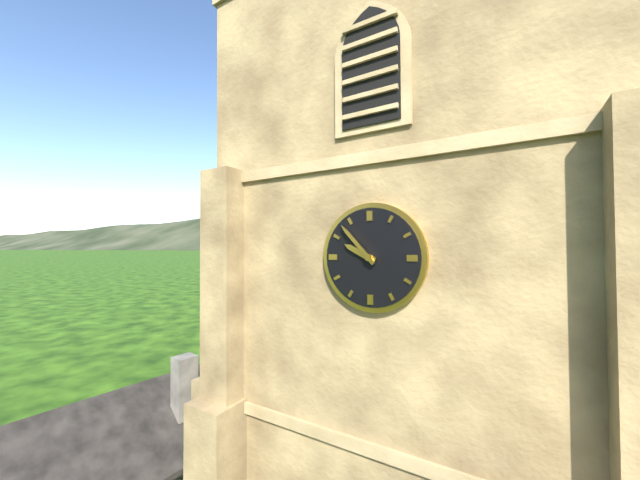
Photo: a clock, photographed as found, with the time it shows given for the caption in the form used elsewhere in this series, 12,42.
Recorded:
9,53
